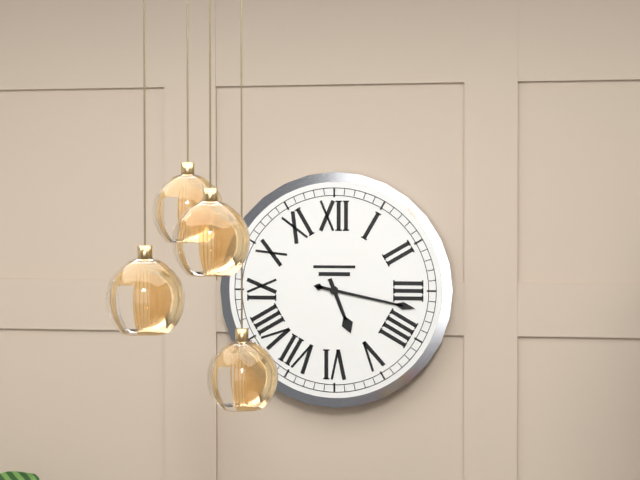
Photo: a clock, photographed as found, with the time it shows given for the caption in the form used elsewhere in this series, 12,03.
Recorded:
5,17
